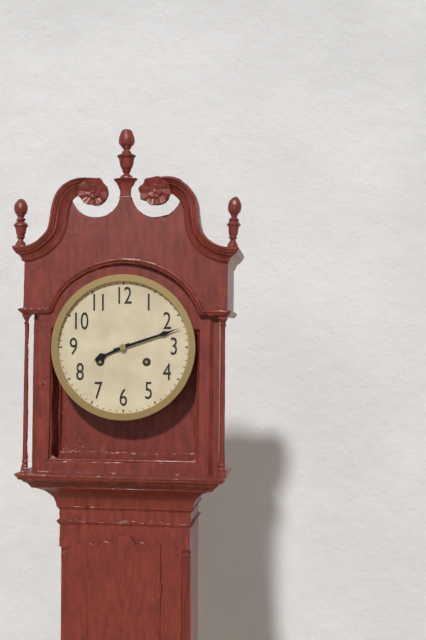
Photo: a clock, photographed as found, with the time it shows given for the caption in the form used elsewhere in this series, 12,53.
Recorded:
8,12
